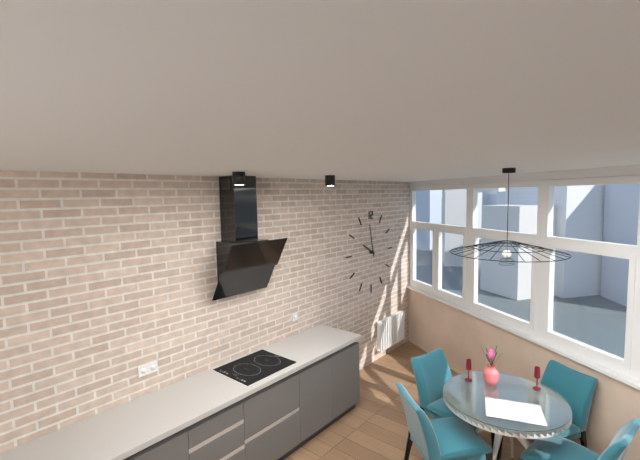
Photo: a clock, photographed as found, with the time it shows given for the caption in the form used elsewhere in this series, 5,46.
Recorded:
9,58
